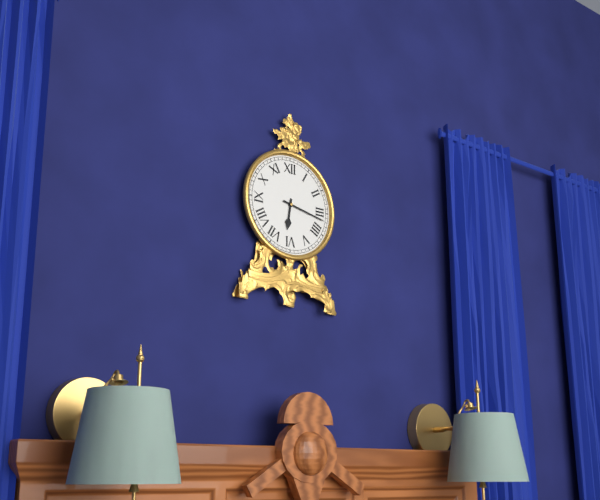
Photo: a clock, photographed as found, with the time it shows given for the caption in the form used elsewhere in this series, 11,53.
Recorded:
6,17
